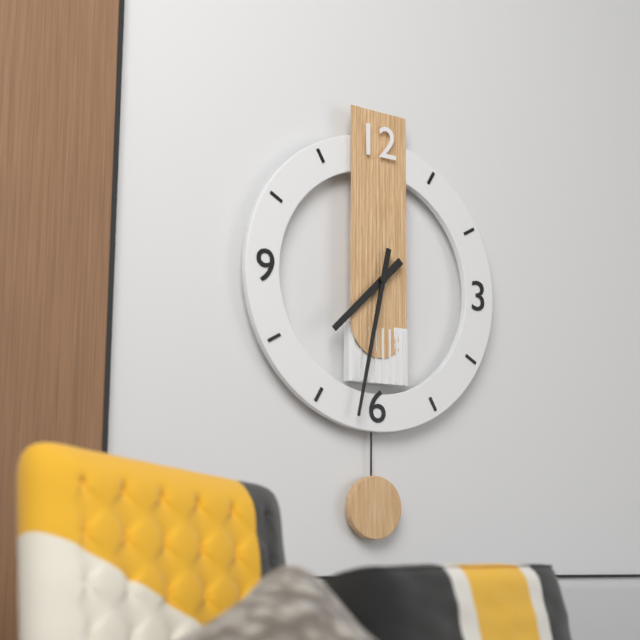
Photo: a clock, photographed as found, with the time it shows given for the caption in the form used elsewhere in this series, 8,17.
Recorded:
7,32
